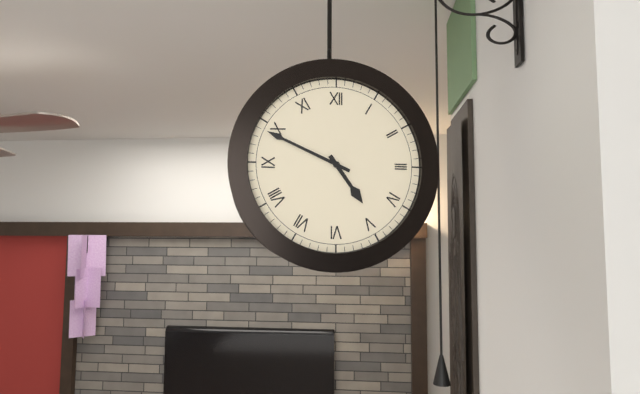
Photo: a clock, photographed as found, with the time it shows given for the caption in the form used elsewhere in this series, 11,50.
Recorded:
4,49
